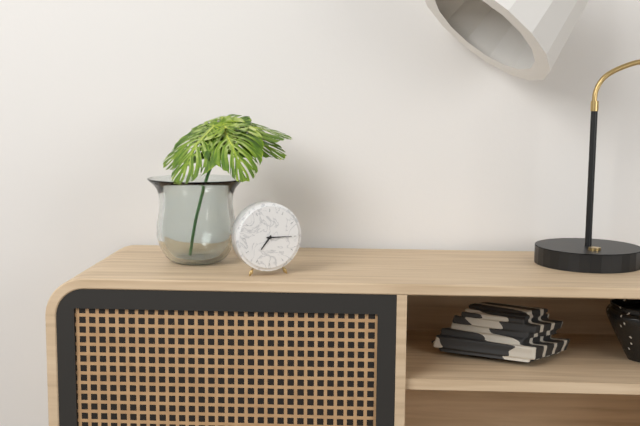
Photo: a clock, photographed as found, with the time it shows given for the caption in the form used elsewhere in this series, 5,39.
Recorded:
7,15
